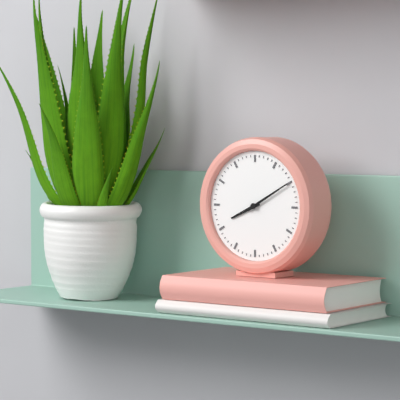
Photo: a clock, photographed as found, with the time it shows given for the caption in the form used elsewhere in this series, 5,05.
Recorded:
8,10
